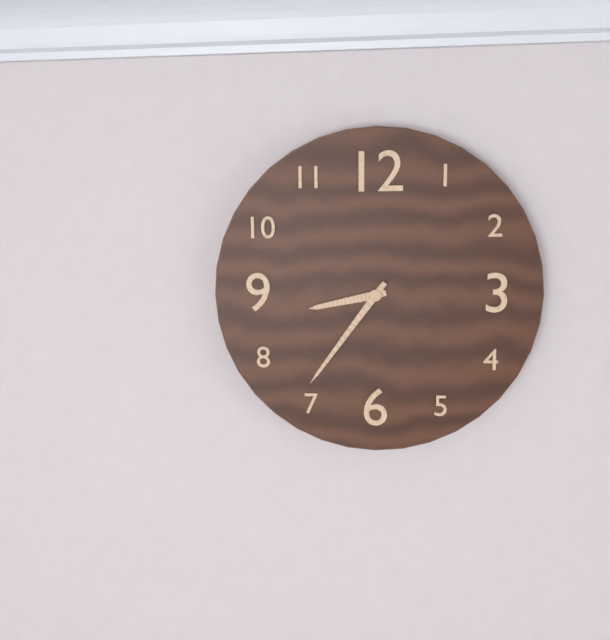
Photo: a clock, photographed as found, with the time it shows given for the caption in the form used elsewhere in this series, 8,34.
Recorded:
8,36
